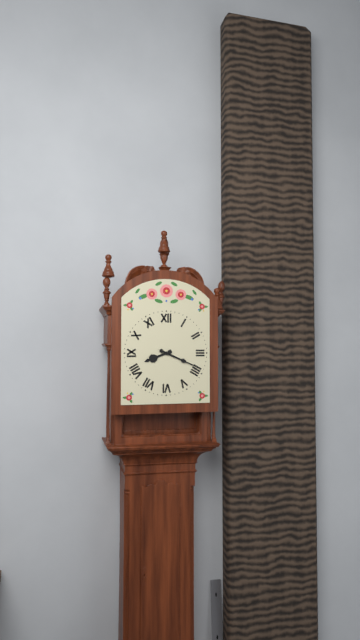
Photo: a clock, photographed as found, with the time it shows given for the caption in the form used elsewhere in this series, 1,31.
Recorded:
8,19
